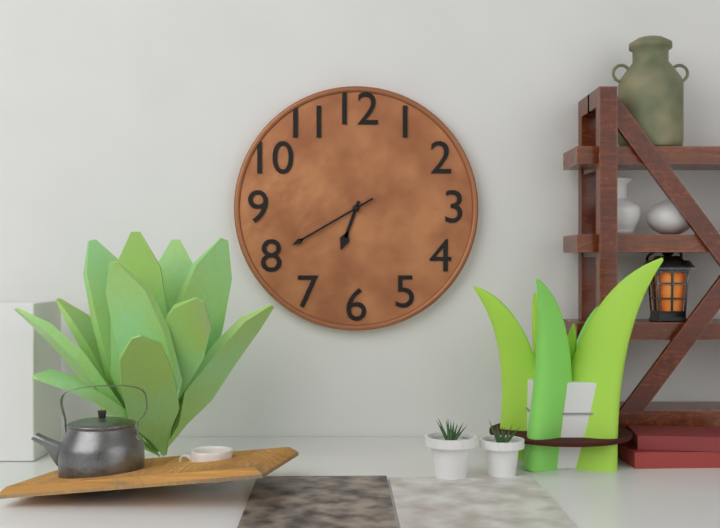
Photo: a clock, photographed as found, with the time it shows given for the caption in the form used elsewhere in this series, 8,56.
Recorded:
6,40
